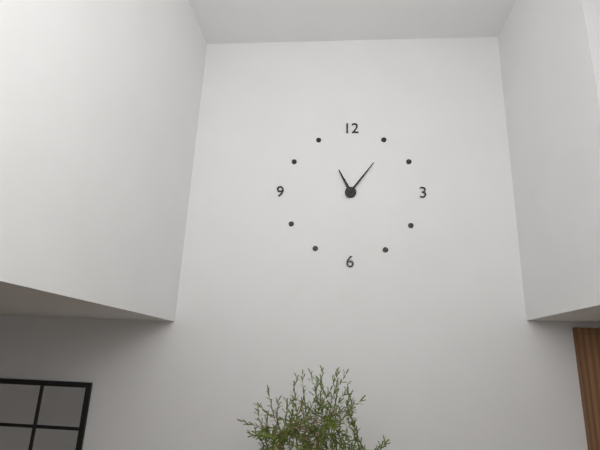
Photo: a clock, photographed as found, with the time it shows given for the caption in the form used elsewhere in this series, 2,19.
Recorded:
11,06
